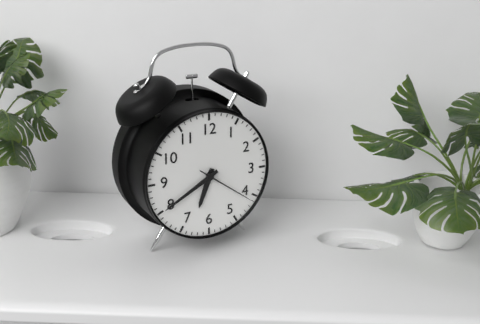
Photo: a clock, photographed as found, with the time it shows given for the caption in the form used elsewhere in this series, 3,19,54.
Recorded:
6,40,21
